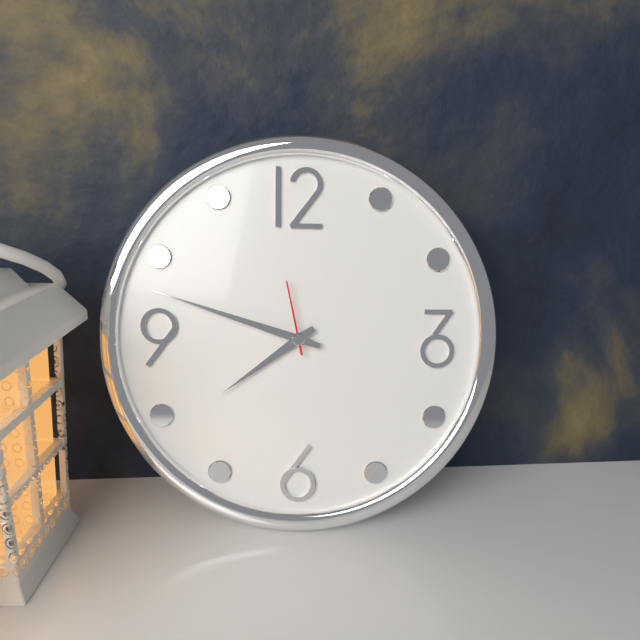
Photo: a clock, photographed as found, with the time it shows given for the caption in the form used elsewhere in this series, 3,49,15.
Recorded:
7,48,58
